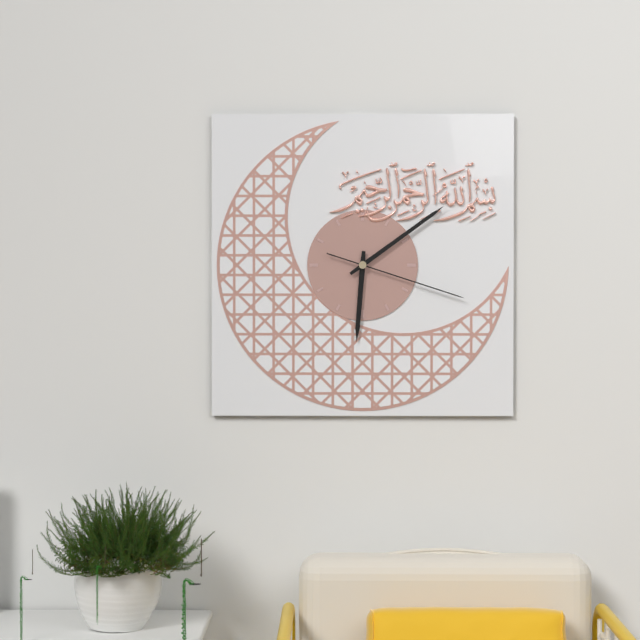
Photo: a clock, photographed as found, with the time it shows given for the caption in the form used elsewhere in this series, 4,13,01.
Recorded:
6,09,18
